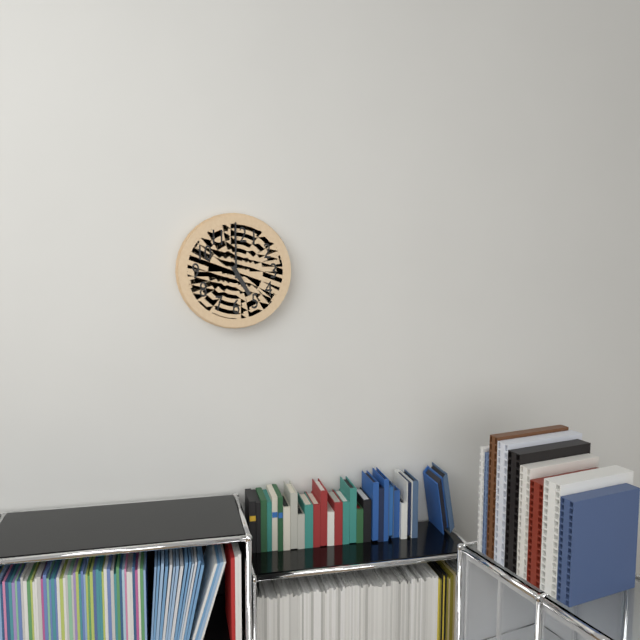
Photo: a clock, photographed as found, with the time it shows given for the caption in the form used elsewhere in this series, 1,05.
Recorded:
5,00
